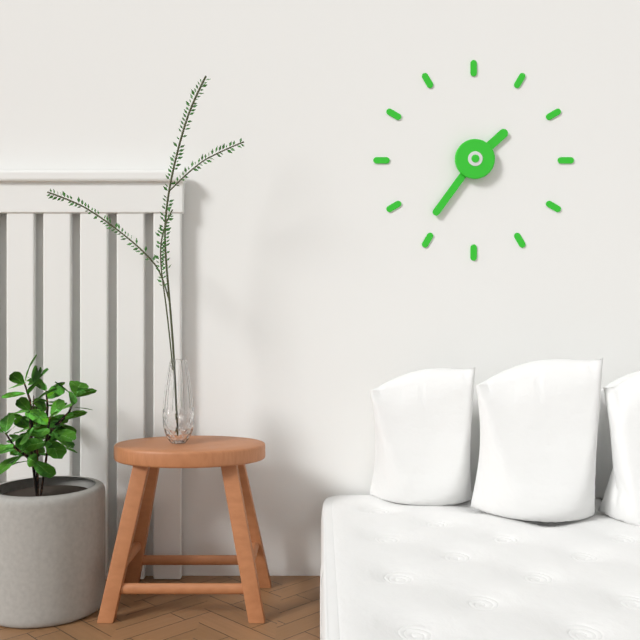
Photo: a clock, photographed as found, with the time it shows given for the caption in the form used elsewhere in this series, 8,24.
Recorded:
1,36
